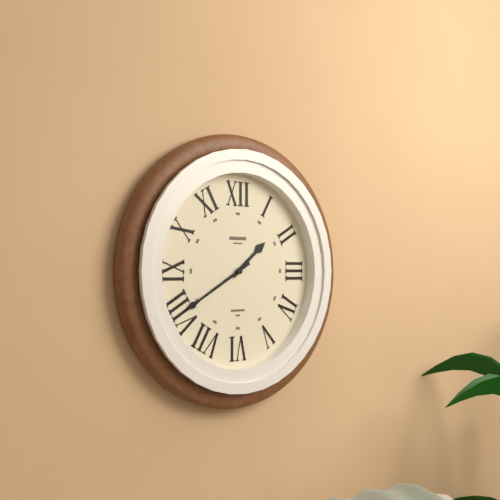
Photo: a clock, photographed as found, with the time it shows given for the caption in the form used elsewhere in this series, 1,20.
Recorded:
1,40
